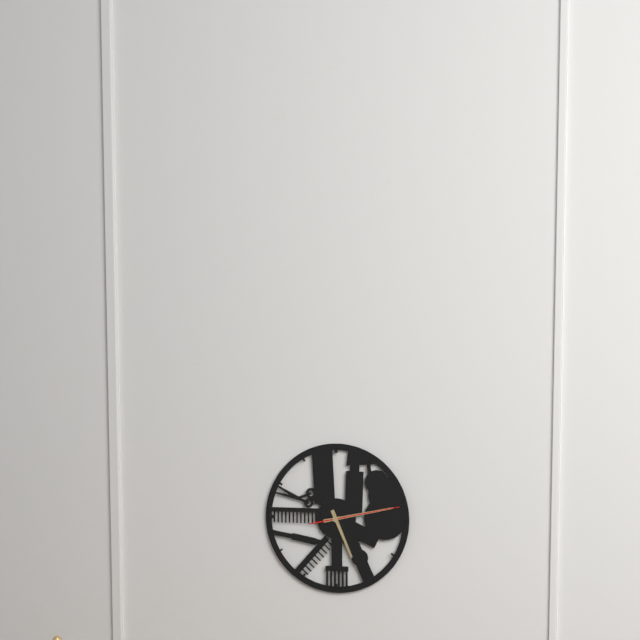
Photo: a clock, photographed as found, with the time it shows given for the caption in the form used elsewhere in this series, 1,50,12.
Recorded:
5,13,13
